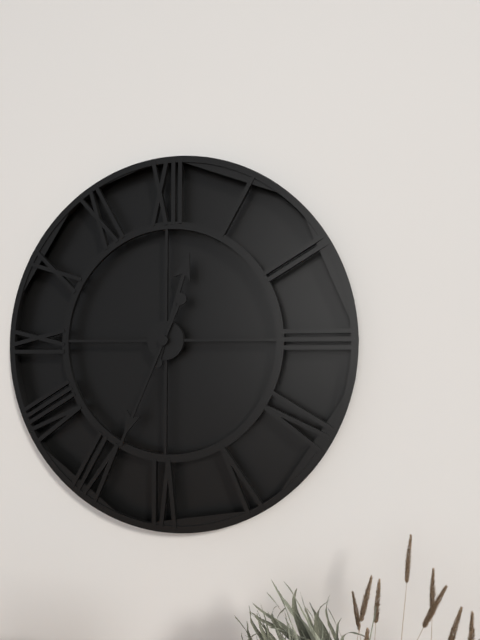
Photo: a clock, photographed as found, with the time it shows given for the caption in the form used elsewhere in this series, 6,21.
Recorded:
12,34
